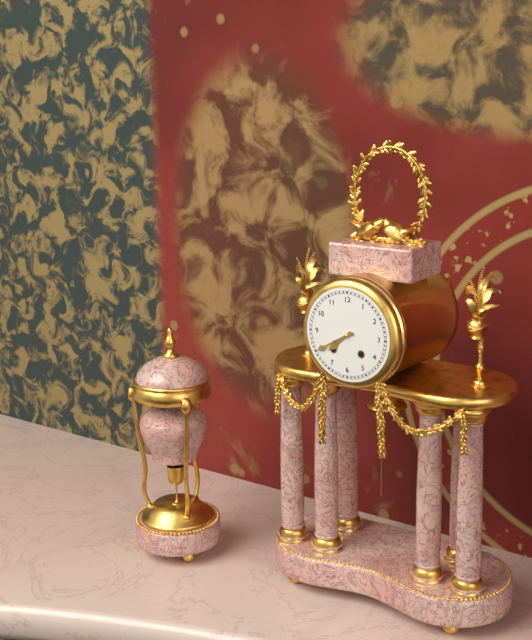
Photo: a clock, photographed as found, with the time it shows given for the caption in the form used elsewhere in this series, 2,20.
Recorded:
7,40
